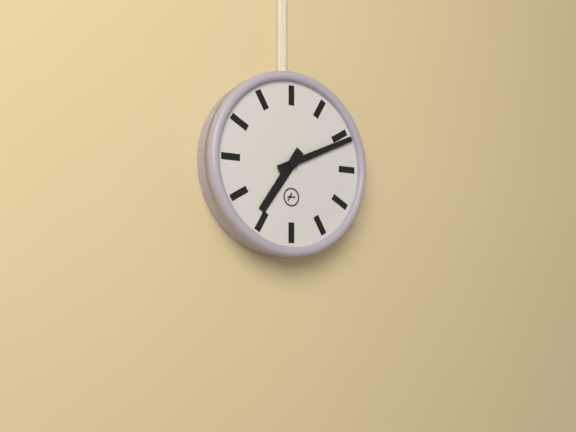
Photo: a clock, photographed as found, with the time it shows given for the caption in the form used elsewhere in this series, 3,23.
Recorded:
7,11
